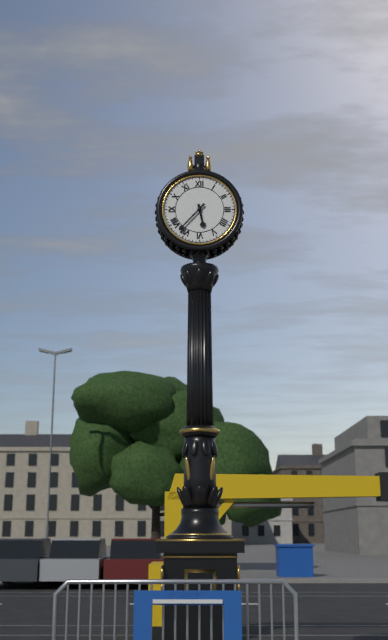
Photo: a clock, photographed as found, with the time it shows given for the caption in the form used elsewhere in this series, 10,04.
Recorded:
5,37
